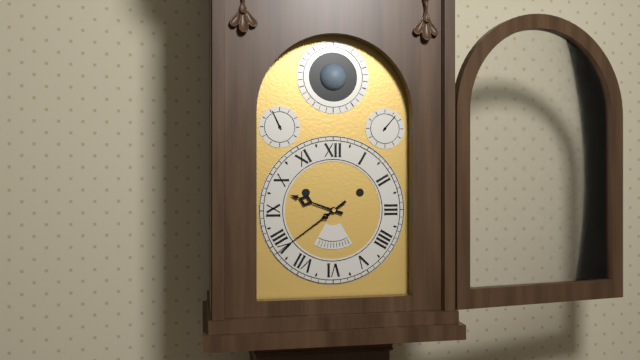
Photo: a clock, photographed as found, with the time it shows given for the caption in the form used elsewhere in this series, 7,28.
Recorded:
9,39
